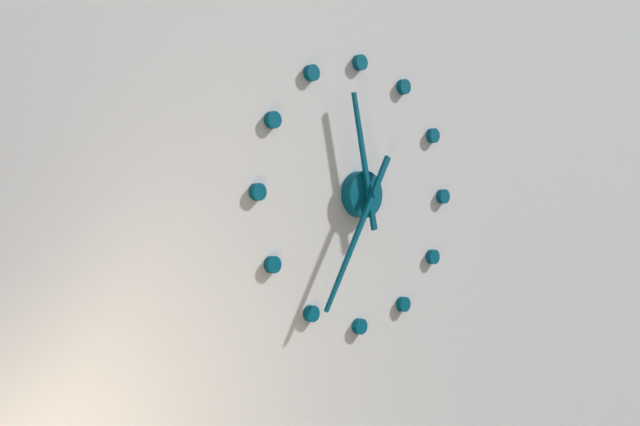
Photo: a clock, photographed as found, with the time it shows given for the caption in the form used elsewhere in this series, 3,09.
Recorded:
11,35
